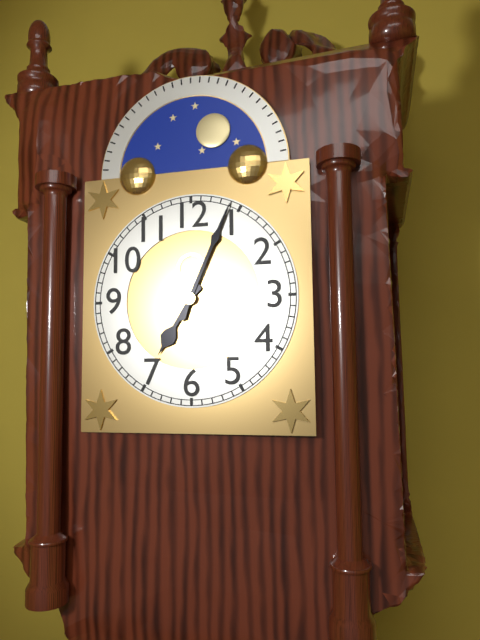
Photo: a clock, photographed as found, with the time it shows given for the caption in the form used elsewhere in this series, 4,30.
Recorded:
7,04
